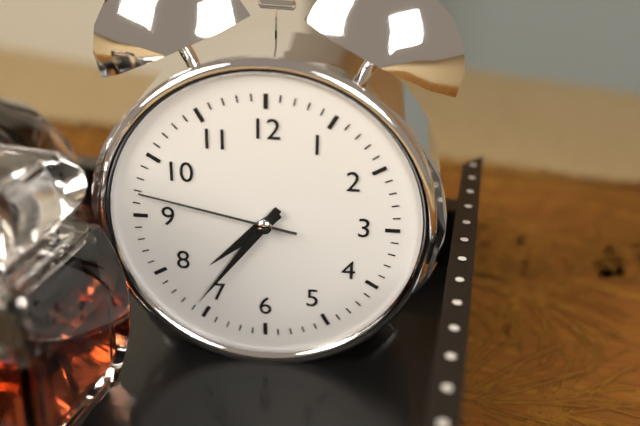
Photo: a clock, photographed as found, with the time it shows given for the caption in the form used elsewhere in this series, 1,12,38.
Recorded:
7,36,47
